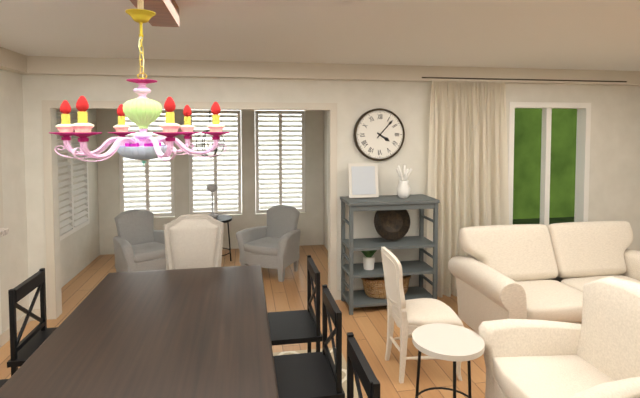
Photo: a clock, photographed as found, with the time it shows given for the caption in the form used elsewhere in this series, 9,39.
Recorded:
4,07
